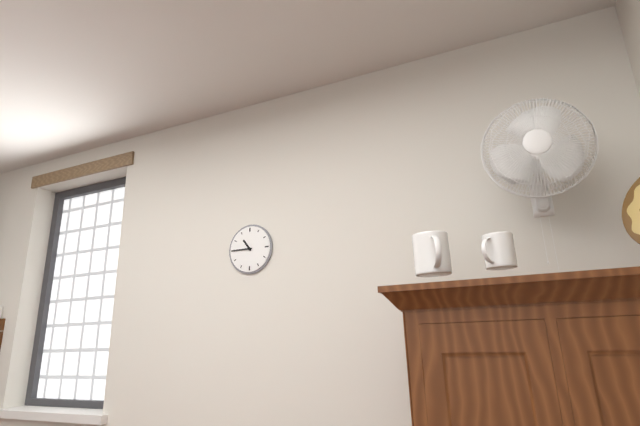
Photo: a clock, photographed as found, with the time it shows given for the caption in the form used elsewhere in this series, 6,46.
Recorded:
10,45
